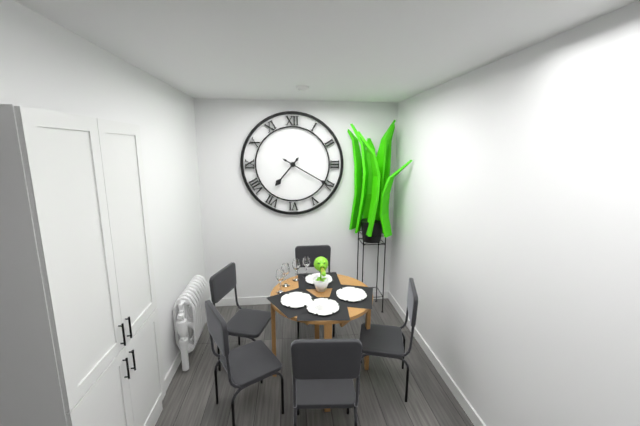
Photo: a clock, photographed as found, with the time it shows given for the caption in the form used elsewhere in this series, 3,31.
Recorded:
7,20
